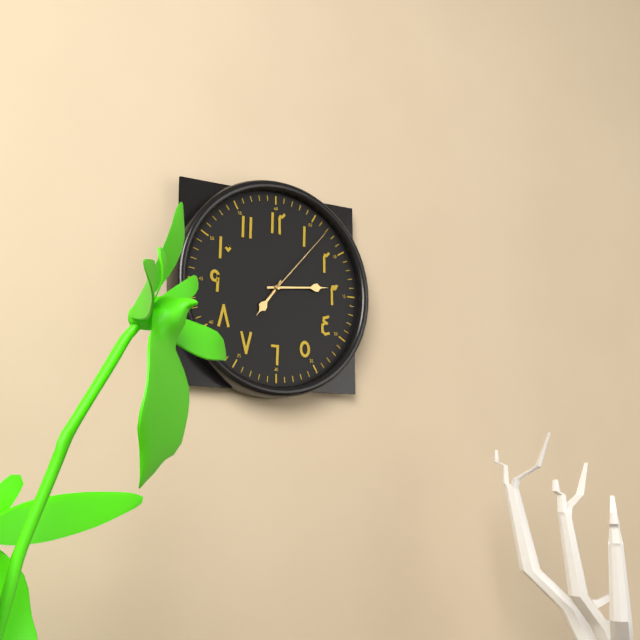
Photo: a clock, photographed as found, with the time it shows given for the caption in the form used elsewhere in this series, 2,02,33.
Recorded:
7,14,07
